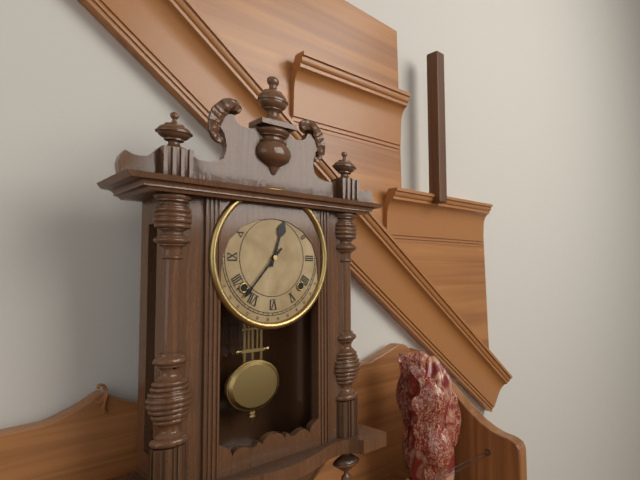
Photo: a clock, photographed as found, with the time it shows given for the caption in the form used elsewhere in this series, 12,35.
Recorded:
12,37
